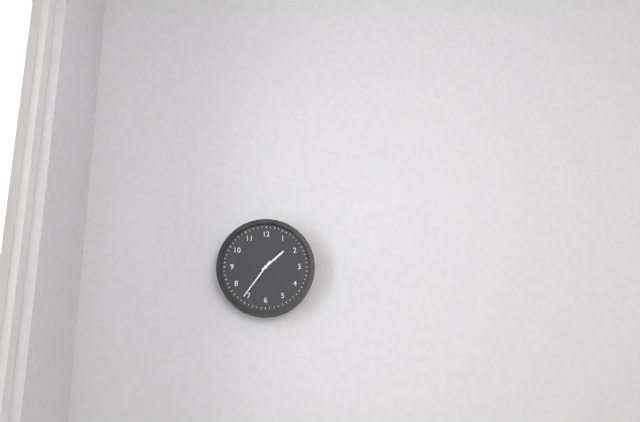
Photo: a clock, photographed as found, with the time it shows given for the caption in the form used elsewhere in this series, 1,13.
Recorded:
1,36
